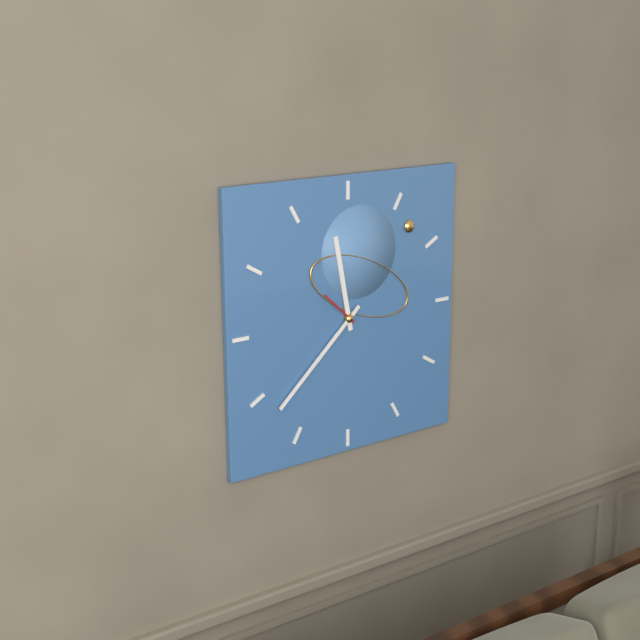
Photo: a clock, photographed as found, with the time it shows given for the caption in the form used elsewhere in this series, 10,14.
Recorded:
11,38
